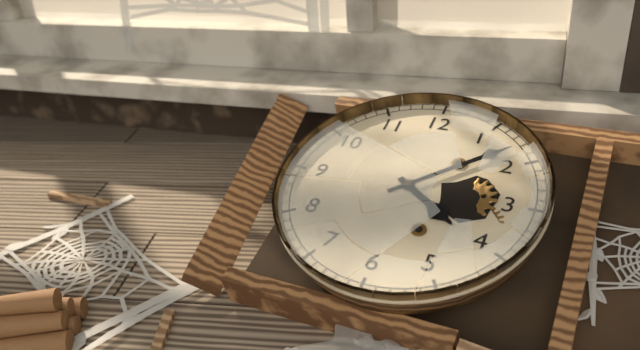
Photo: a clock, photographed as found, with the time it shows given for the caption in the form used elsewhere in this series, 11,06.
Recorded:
4,08
